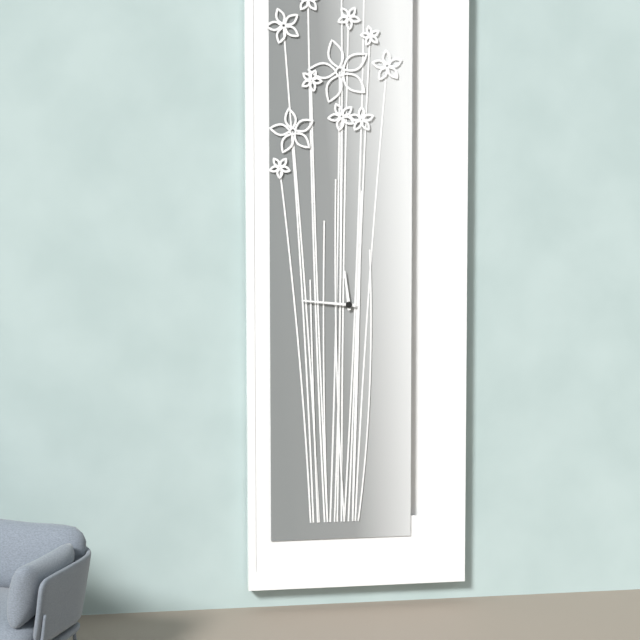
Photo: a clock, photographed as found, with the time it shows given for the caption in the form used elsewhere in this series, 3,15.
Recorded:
11,46
